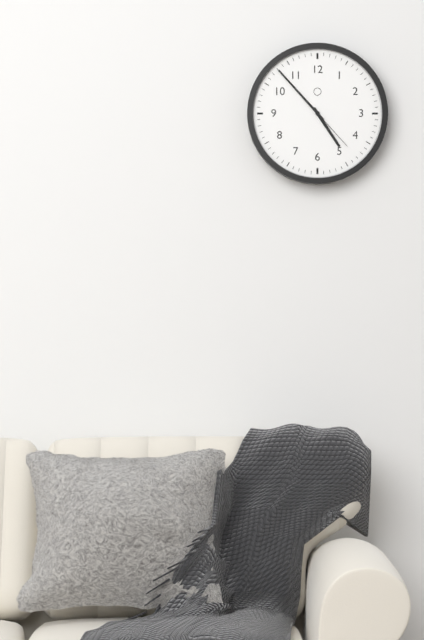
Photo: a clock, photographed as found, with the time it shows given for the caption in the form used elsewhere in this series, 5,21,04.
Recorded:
4,53,23
